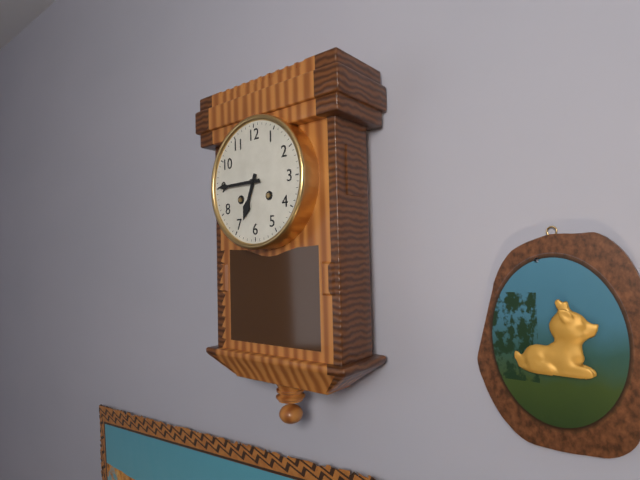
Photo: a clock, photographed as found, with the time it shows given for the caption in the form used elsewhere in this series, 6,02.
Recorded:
6,45
